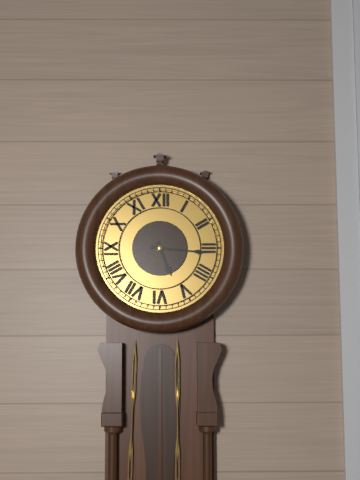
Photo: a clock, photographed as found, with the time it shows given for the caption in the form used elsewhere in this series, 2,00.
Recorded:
5,16
